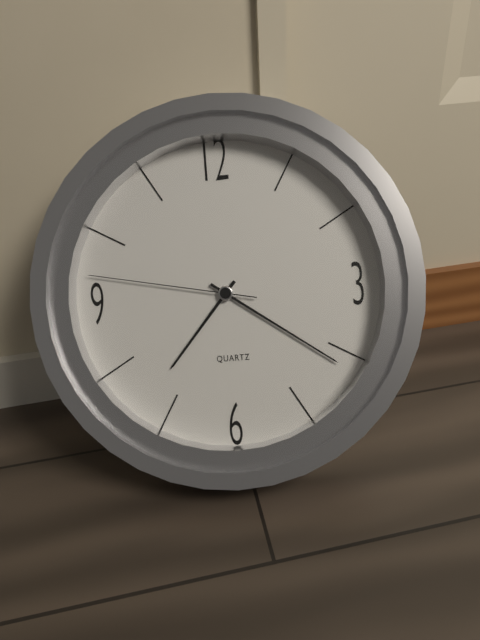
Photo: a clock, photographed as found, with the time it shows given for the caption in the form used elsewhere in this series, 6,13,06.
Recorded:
7,21,47
